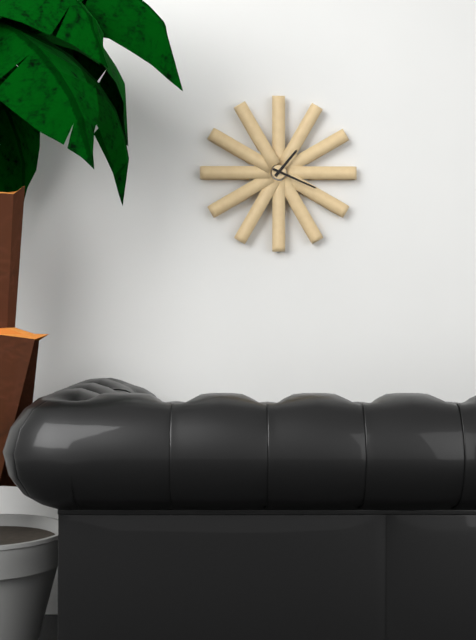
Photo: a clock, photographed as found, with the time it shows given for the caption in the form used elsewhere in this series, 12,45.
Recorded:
1,19
